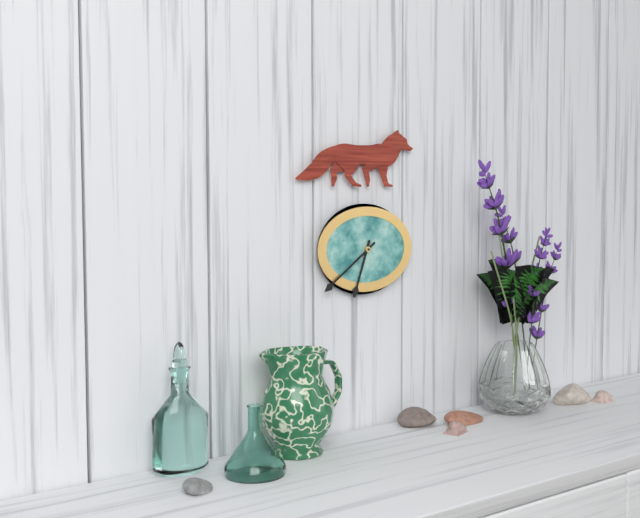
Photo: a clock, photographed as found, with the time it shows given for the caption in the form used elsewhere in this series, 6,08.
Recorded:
6,39
